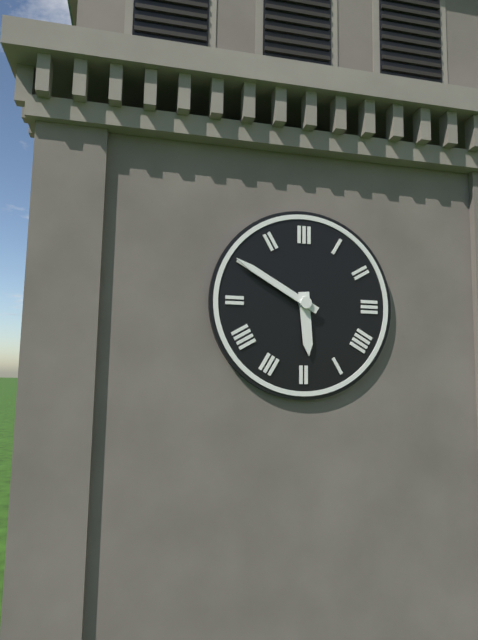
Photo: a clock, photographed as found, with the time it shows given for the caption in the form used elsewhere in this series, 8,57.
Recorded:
5,50
